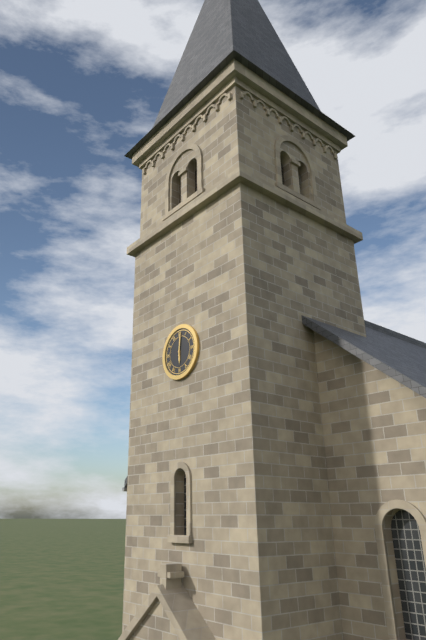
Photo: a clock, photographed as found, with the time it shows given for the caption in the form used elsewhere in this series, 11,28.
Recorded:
6,01
